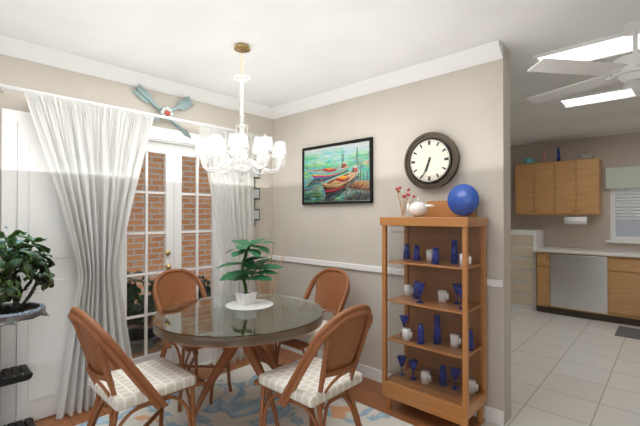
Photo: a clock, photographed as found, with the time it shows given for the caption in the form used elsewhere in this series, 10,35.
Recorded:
6,34
